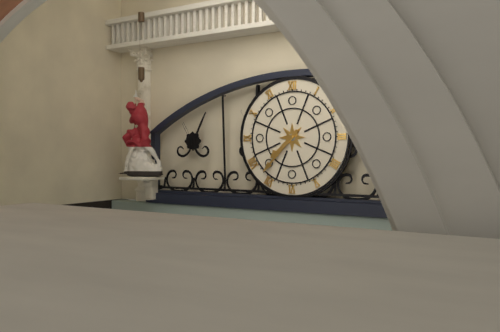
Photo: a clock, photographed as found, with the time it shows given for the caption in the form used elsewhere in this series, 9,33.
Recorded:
7,37
